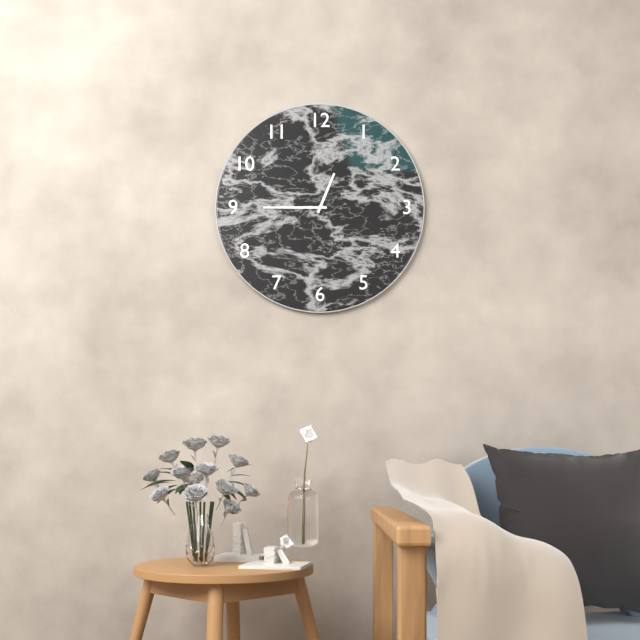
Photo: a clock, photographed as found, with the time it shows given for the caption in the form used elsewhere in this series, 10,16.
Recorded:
12,45
